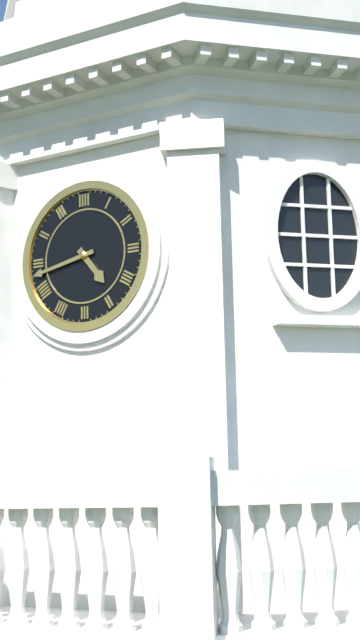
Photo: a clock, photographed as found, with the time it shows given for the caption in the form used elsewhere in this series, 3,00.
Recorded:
4,43
